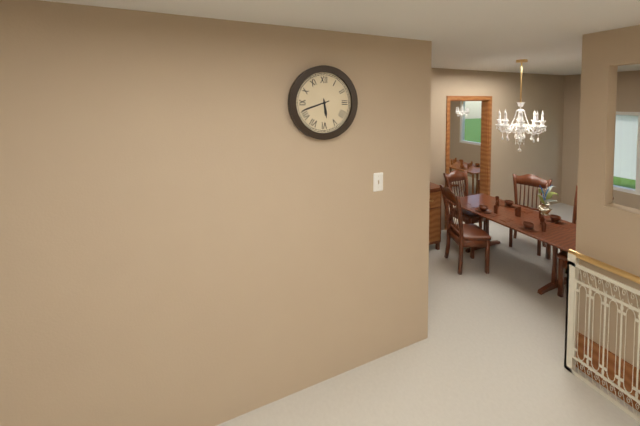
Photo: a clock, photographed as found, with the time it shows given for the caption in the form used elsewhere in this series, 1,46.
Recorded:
5,42
